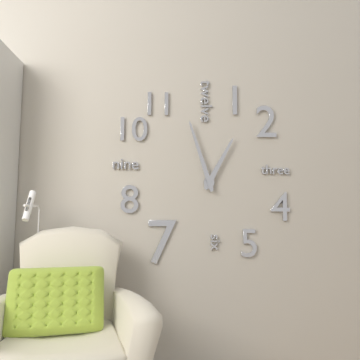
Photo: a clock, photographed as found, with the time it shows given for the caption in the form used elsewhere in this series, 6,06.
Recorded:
12,57
